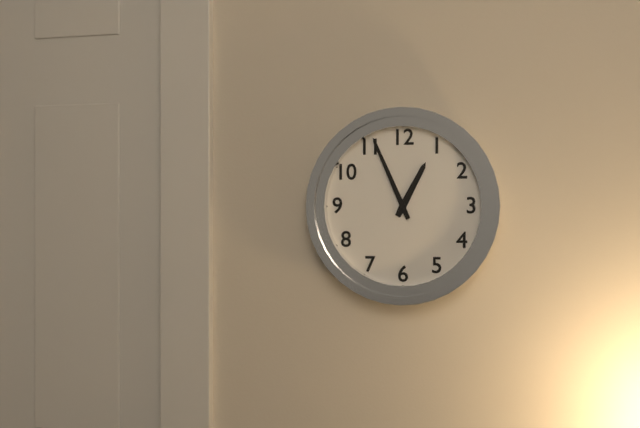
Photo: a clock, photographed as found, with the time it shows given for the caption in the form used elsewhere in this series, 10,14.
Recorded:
12,56
